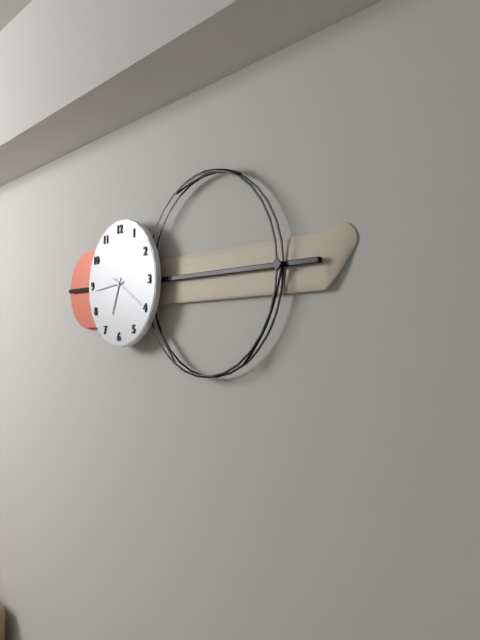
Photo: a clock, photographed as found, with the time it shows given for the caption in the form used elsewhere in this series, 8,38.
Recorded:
6,44
